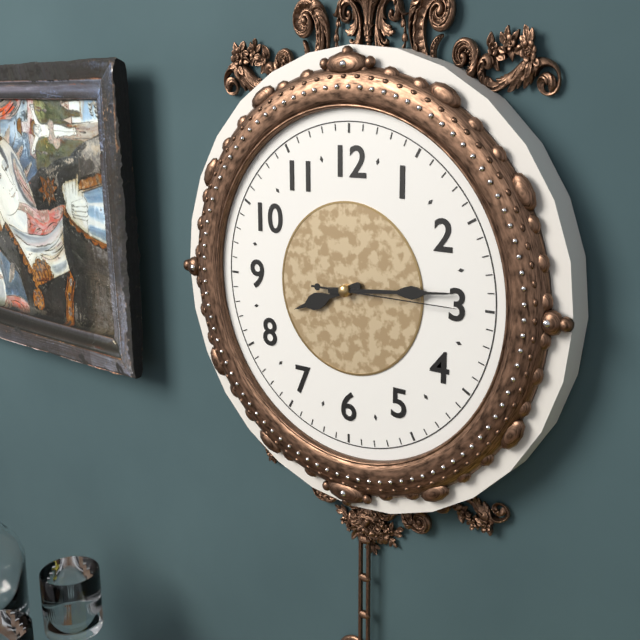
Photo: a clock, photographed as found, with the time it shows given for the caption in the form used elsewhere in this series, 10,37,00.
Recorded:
8,14,15
